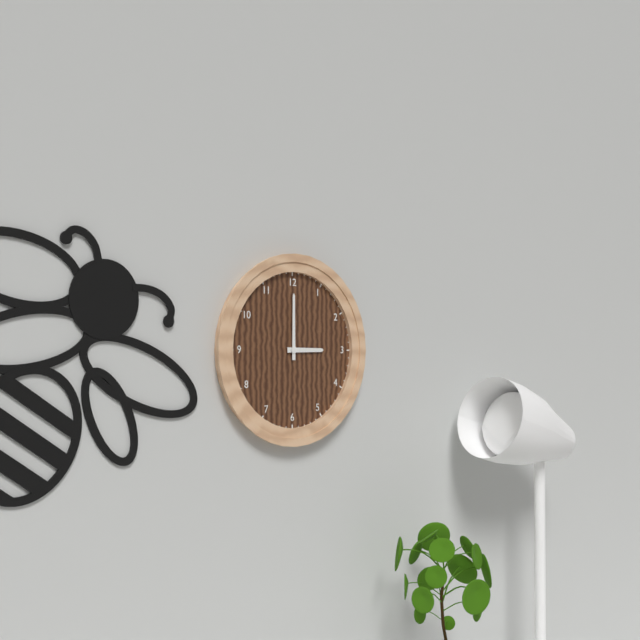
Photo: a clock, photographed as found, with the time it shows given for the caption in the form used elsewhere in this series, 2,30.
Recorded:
3,00
